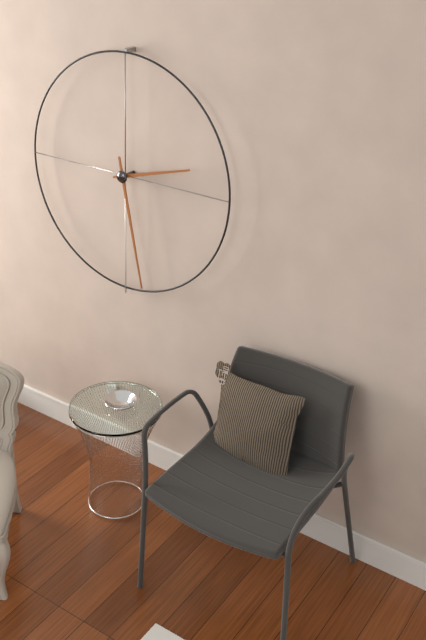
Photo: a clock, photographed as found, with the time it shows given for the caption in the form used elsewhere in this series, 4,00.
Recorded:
2,28
